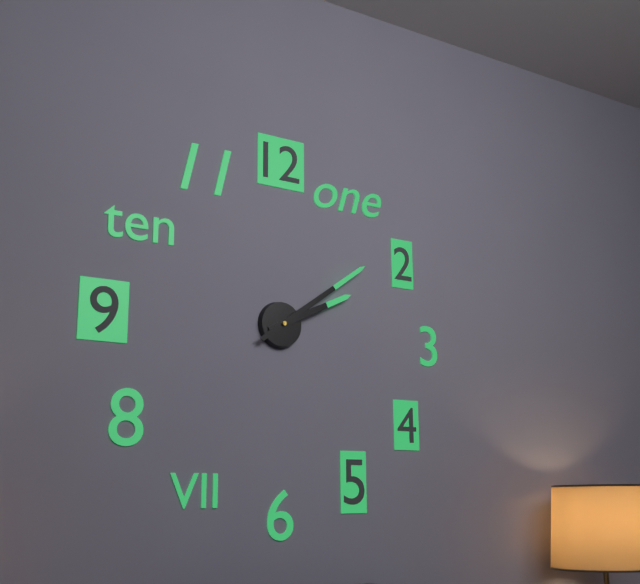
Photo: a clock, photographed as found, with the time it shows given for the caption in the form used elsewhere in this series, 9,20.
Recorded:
2,09
